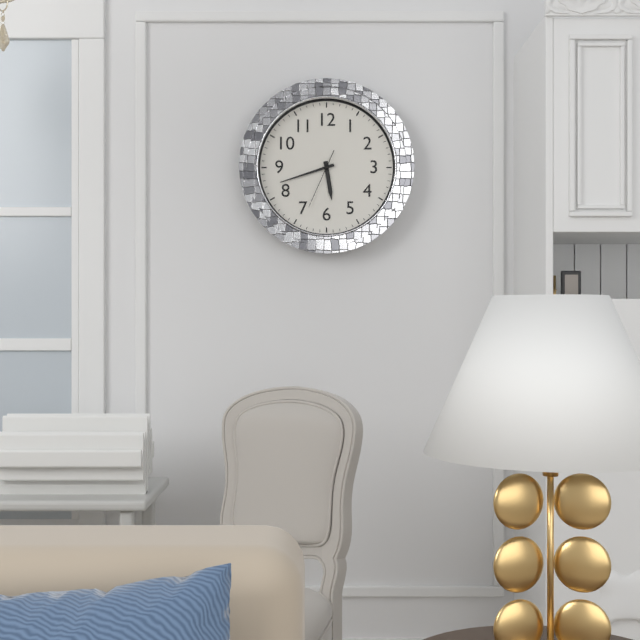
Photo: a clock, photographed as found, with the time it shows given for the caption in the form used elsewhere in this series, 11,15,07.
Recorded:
5,42,34
